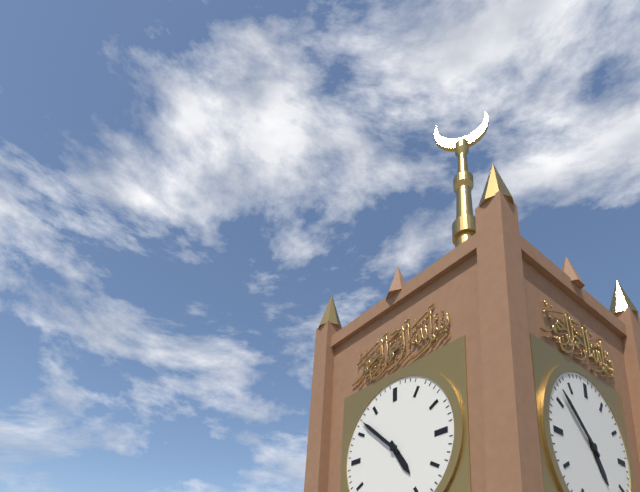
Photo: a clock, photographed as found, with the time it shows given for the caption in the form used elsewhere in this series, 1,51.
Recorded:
4,52
